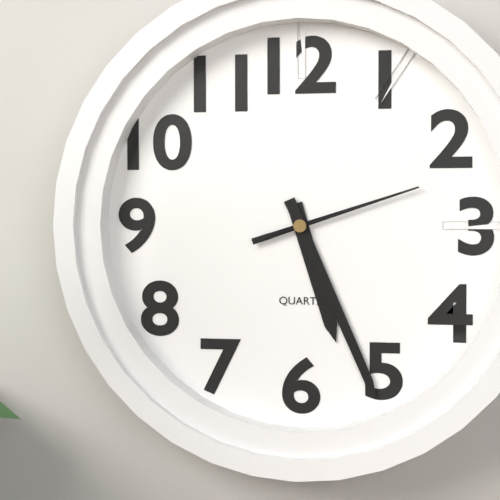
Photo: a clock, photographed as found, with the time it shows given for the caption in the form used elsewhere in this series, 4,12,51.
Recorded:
5,26,12
